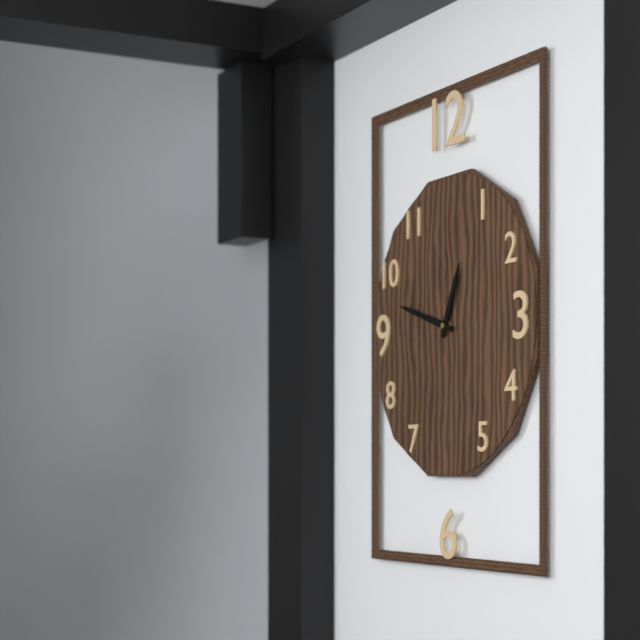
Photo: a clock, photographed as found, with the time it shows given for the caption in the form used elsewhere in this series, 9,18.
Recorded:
12,48
